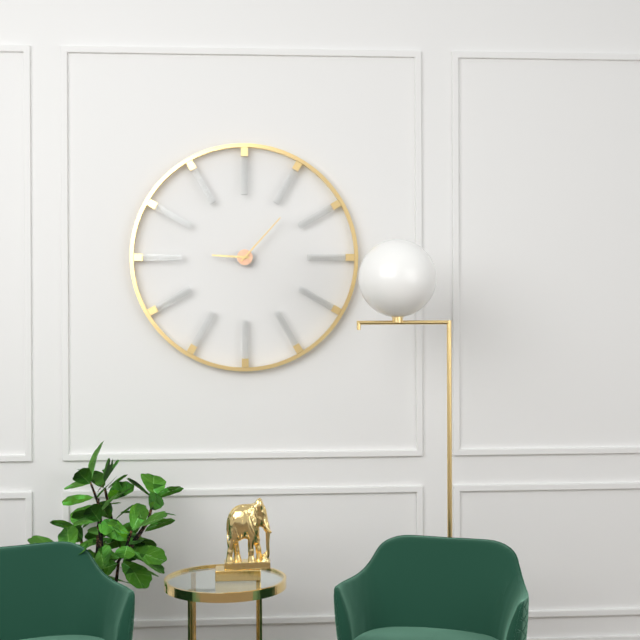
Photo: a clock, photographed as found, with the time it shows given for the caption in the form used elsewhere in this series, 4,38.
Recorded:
9,07
